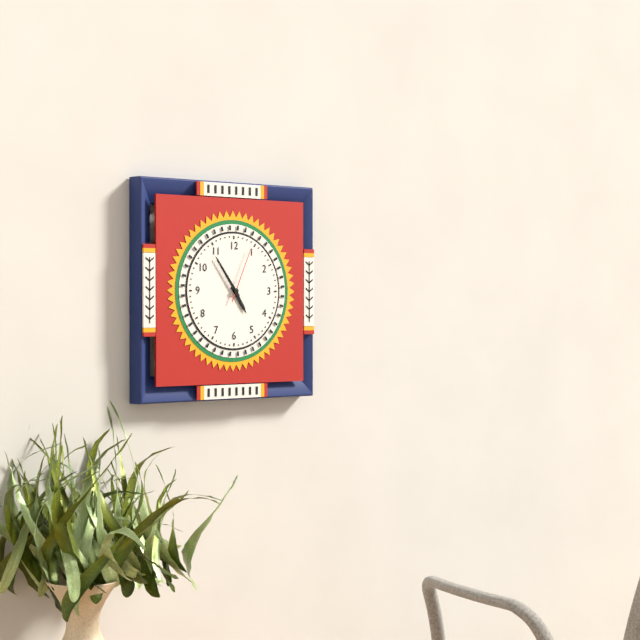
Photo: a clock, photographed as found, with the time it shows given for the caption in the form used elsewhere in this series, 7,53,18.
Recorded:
4,54,04
